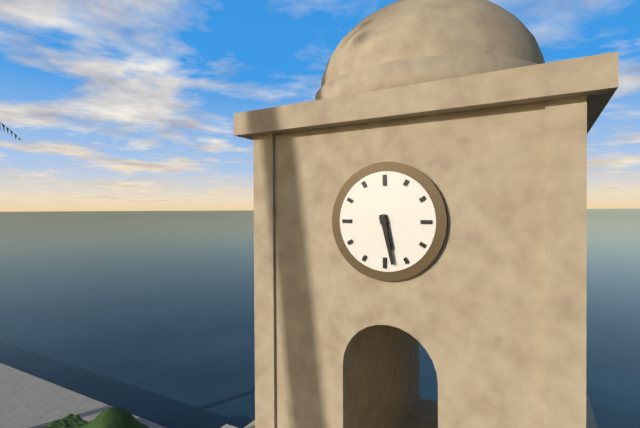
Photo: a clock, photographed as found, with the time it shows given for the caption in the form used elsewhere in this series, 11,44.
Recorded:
5,28
